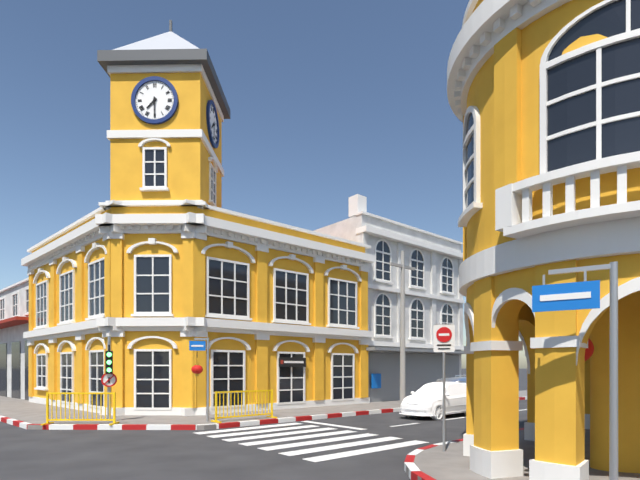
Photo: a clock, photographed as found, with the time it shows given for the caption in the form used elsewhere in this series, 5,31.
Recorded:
7,30
